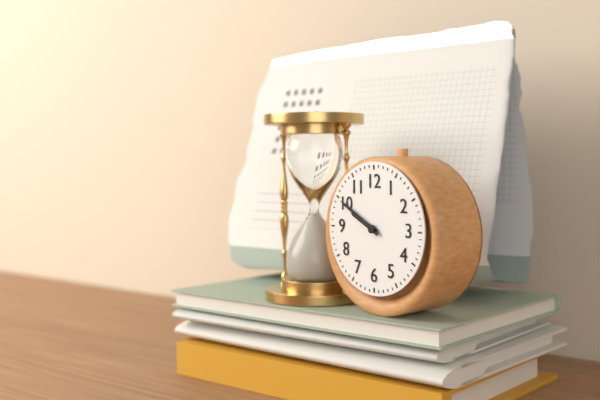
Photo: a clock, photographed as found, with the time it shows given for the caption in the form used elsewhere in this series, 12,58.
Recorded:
9,50
